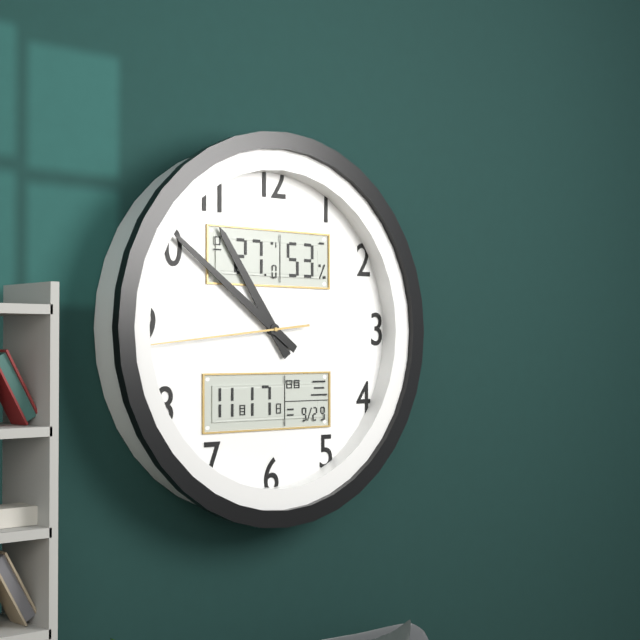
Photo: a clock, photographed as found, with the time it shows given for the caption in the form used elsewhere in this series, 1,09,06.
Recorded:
10,51,44
